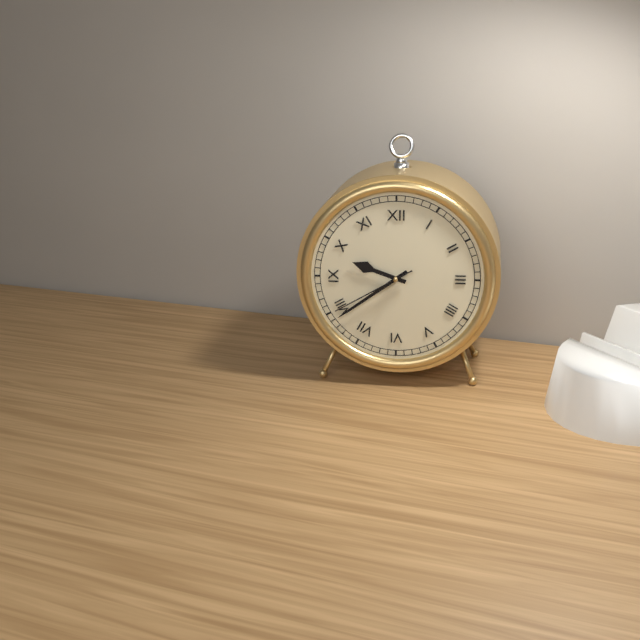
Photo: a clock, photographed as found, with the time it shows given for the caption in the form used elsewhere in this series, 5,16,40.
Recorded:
9,39,40
